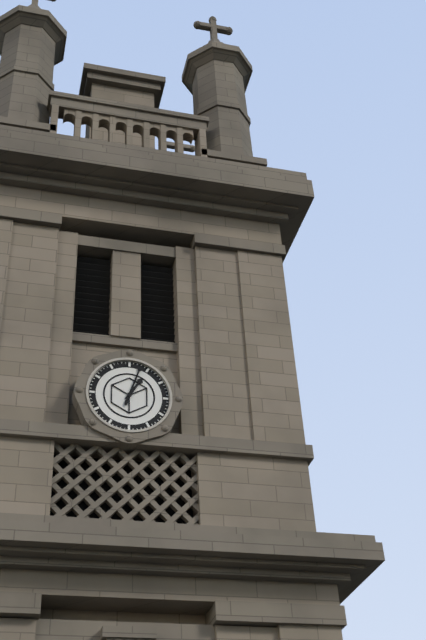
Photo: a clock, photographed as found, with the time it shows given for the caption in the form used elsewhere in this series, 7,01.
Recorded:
1,03
